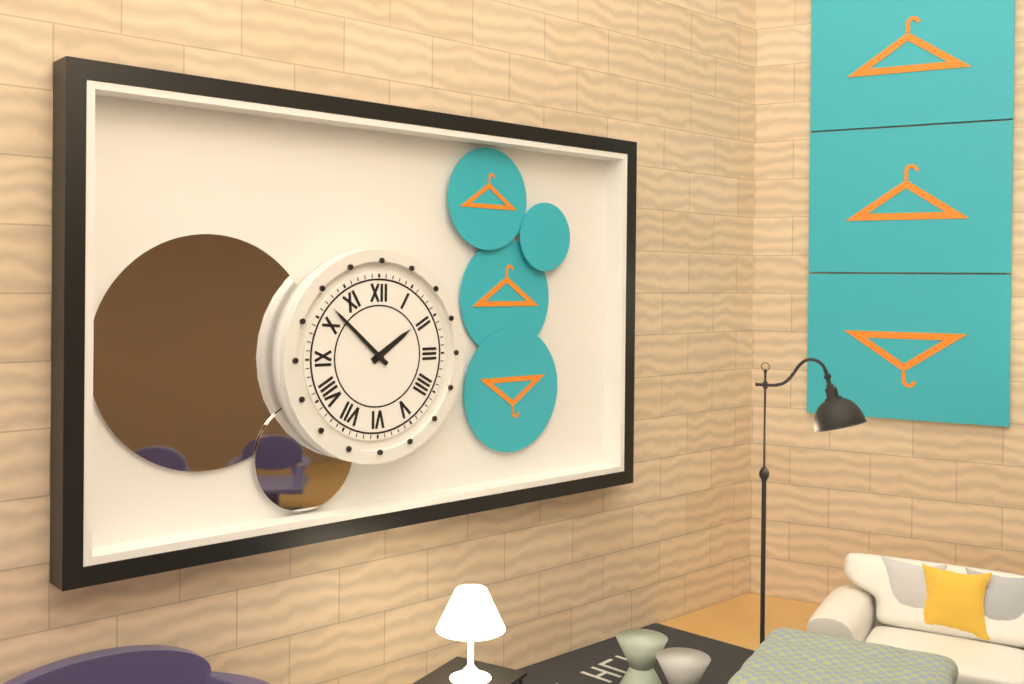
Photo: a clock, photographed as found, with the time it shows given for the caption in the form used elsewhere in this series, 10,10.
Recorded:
1,52
